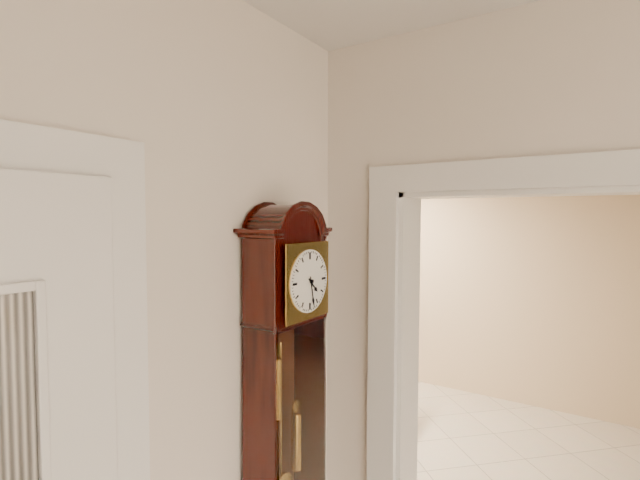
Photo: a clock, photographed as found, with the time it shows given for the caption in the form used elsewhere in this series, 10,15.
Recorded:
4,28
